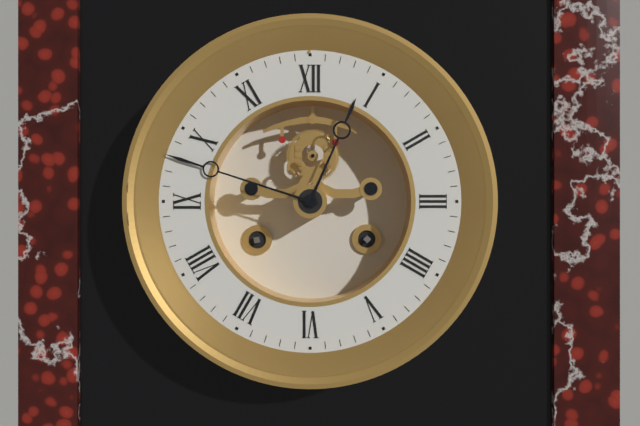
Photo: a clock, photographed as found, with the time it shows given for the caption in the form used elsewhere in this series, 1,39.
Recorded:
12,48
